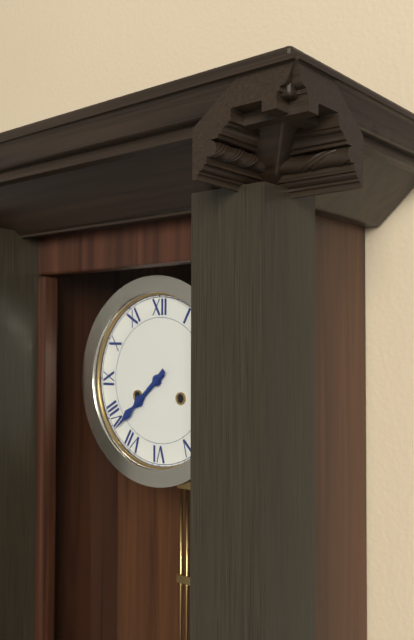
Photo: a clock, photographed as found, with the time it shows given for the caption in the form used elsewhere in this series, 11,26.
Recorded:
7,38
